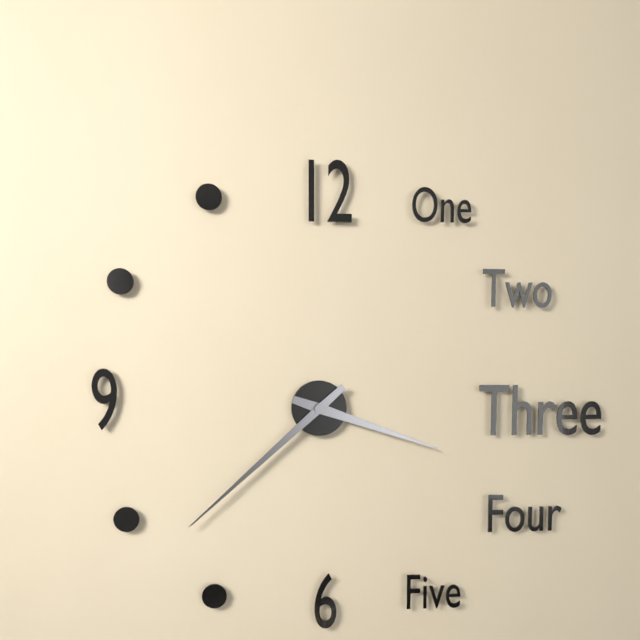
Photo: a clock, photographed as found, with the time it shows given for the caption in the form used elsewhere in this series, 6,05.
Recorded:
3,38
